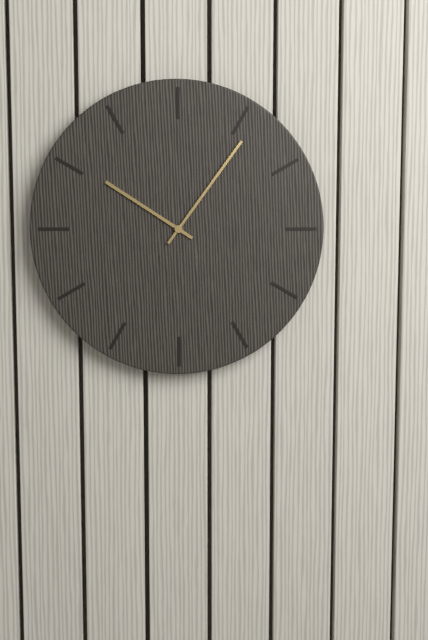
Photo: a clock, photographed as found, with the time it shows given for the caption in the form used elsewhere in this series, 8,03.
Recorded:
10,06
